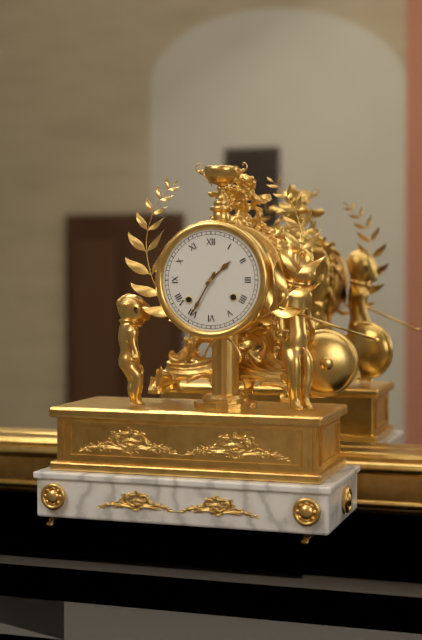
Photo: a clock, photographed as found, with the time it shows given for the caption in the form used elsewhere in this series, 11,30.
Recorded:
1,35
